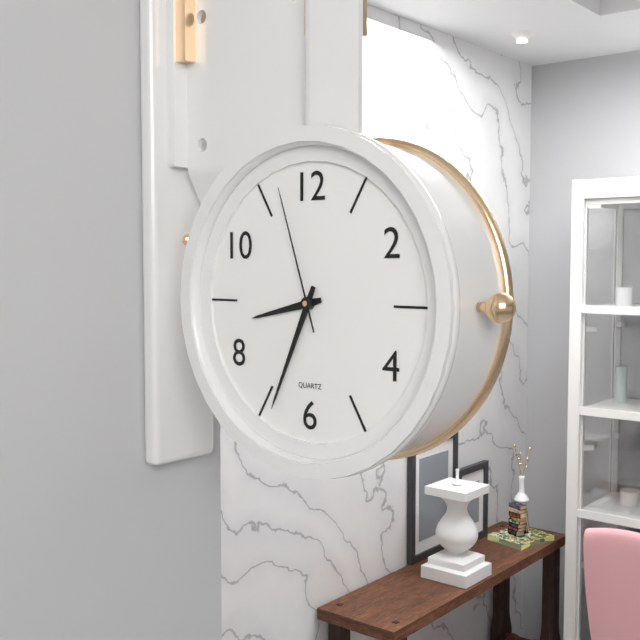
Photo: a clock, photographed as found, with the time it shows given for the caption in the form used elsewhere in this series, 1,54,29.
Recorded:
8,34,57
